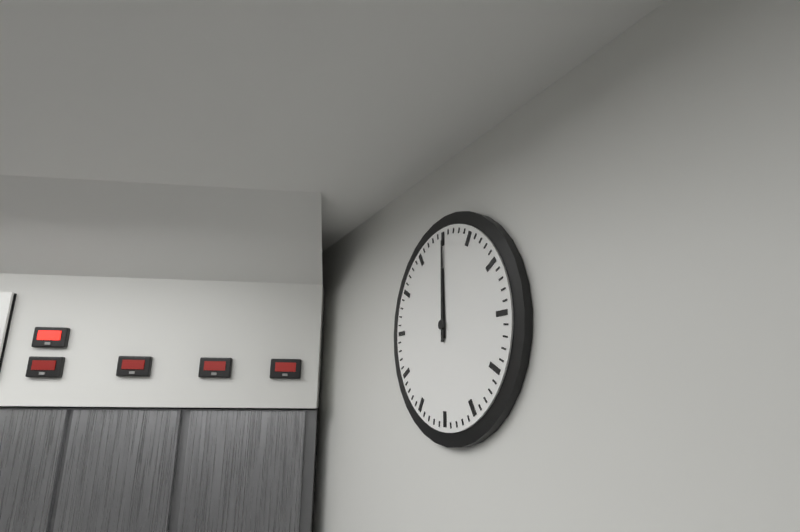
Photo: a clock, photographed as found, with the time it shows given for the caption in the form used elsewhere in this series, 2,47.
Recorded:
12,00
